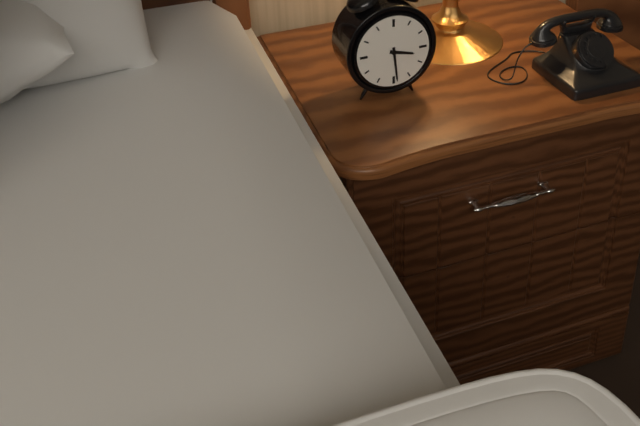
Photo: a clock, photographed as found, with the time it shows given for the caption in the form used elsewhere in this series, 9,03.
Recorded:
3,29
